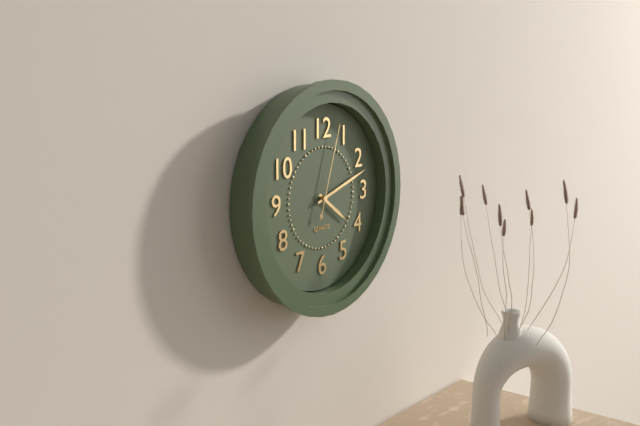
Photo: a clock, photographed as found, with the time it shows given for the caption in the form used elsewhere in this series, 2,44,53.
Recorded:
4,12,03
